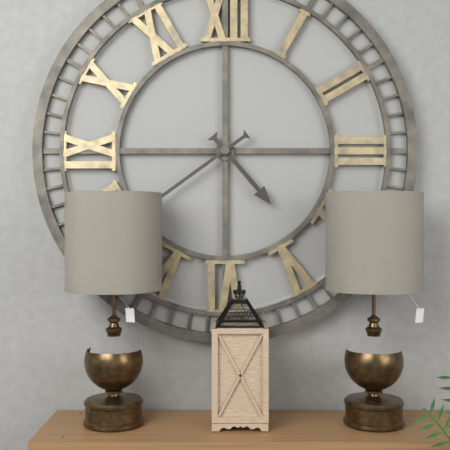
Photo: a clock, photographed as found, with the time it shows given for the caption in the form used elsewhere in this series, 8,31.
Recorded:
4,39
